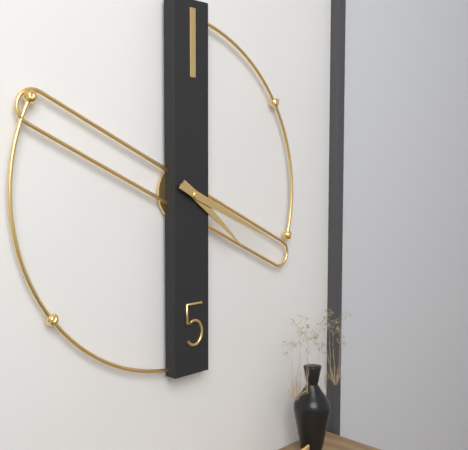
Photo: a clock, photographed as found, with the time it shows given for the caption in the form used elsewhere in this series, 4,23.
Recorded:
4,19
